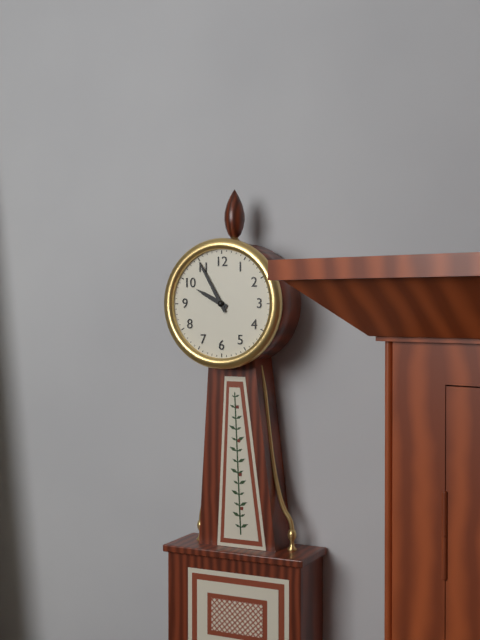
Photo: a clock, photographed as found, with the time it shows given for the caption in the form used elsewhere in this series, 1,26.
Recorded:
9,55
